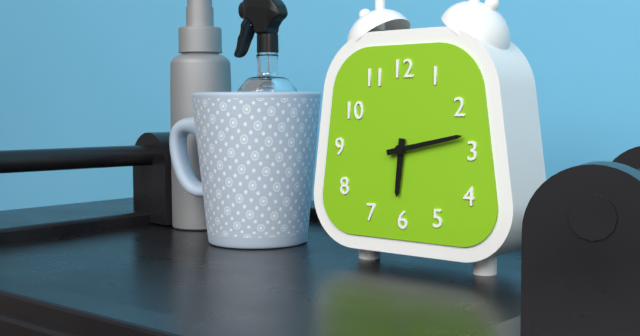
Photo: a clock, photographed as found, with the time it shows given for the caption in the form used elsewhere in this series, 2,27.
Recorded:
6,13
